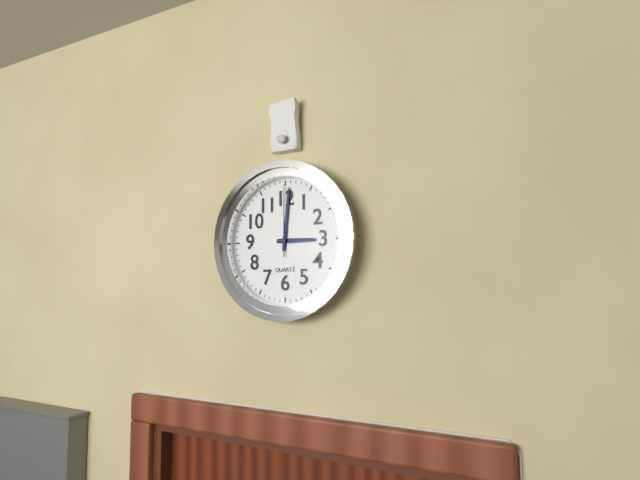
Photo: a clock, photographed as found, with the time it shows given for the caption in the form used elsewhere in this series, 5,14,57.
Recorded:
3,01,00
